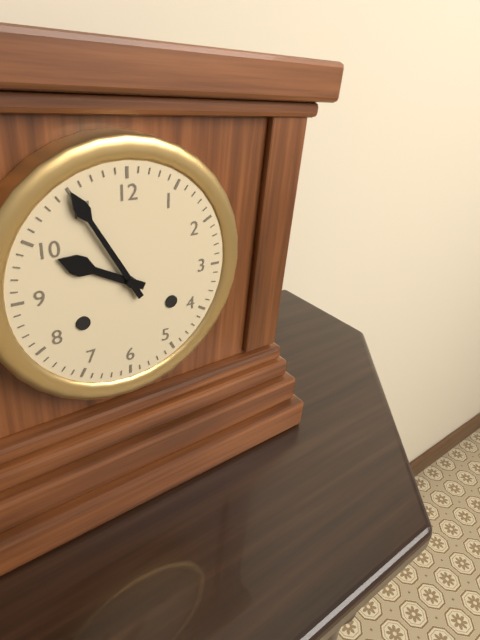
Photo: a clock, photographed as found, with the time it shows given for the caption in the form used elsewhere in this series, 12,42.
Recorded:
9,55
